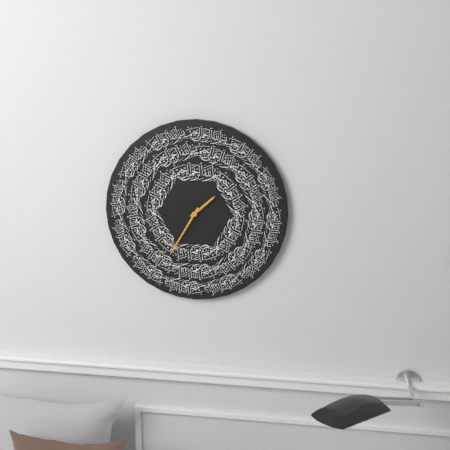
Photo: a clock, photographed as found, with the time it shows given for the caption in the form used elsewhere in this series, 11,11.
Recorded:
1,35
